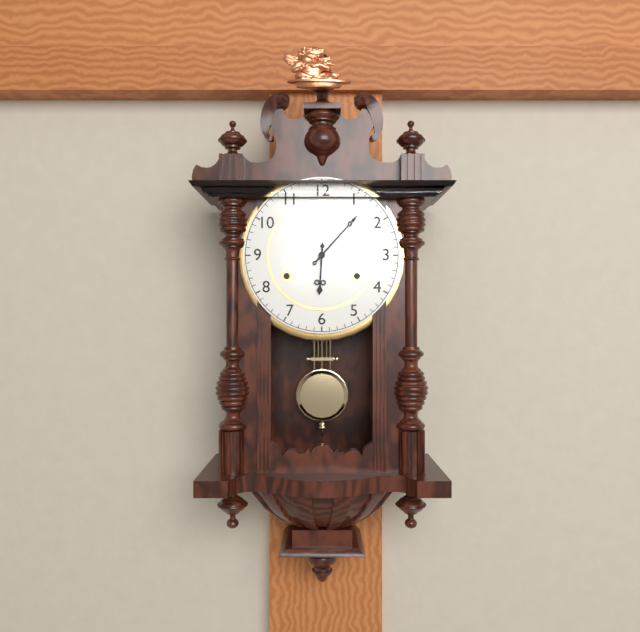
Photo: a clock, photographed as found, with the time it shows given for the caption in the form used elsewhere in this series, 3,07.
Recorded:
6,07
